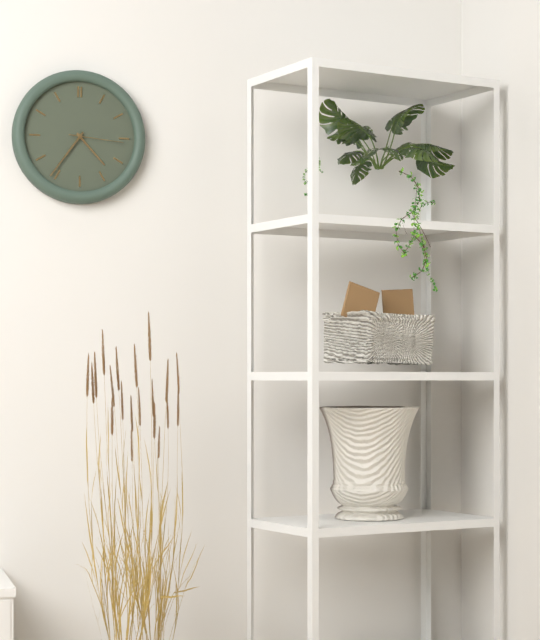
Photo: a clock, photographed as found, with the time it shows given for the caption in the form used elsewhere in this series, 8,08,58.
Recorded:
4,36,16
